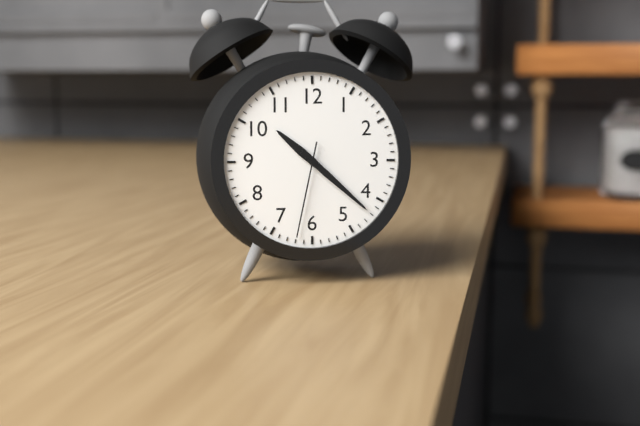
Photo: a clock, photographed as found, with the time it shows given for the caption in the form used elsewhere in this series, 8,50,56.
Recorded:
10,22,32
